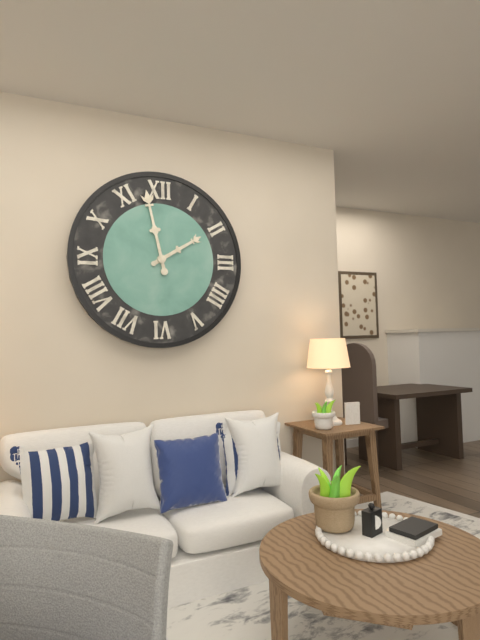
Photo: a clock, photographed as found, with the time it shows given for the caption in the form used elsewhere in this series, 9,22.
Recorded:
1,58
